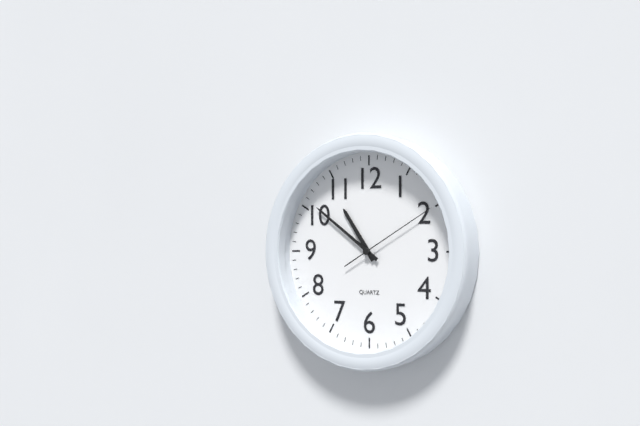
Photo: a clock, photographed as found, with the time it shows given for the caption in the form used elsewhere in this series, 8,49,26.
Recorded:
10,51,10
